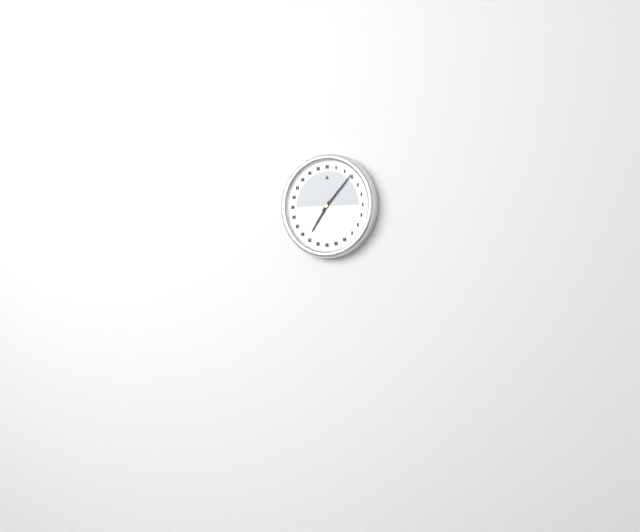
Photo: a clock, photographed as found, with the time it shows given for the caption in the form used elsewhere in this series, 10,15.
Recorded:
7,07
